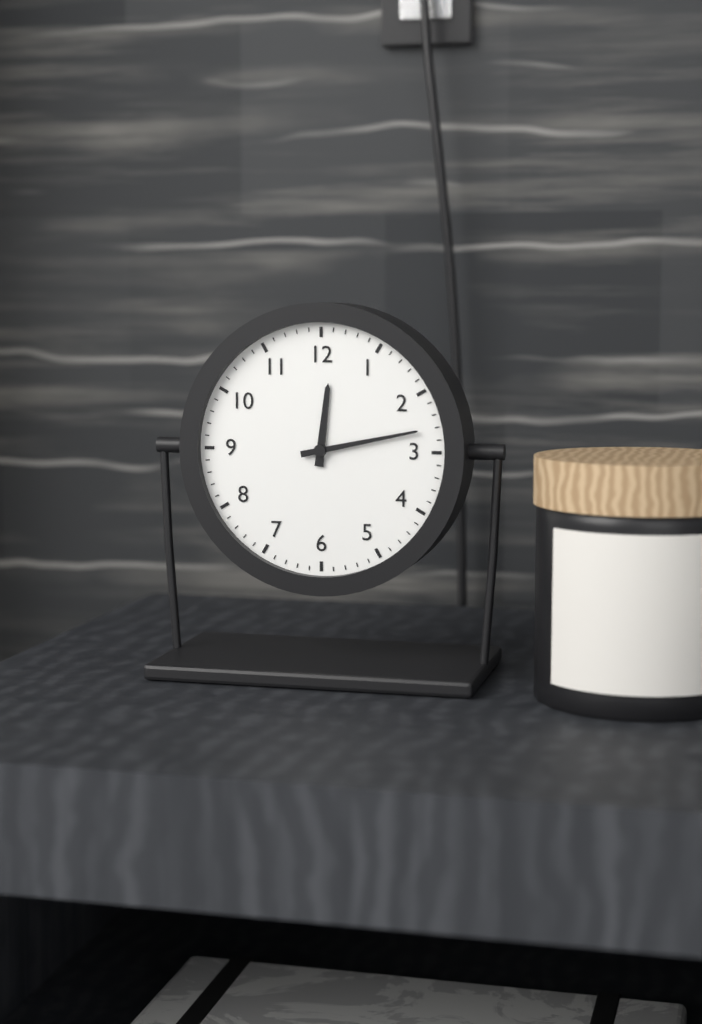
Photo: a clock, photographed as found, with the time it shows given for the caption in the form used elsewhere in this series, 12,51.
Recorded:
12,13
